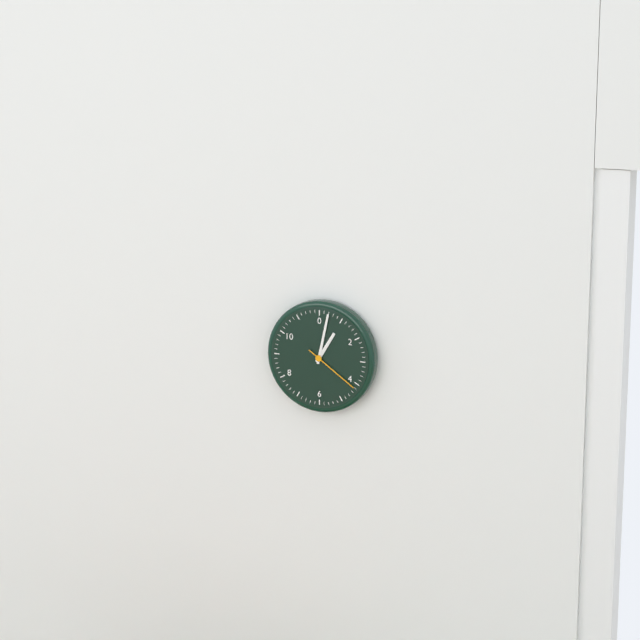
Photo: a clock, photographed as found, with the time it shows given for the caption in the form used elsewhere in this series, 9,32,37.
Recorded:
1,02,21
